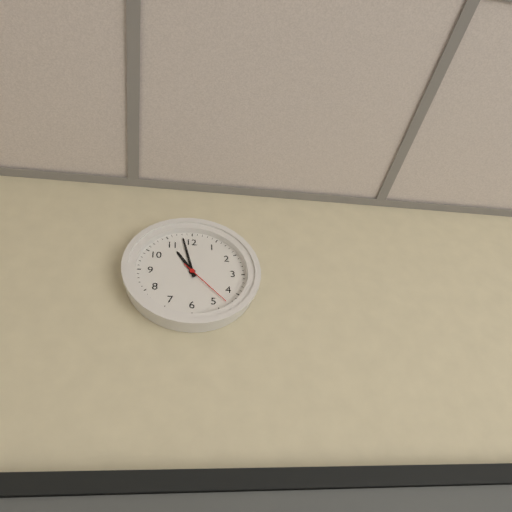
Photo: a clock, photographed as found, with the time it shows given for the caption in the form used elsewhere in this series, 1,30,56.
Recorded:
10,58,23
